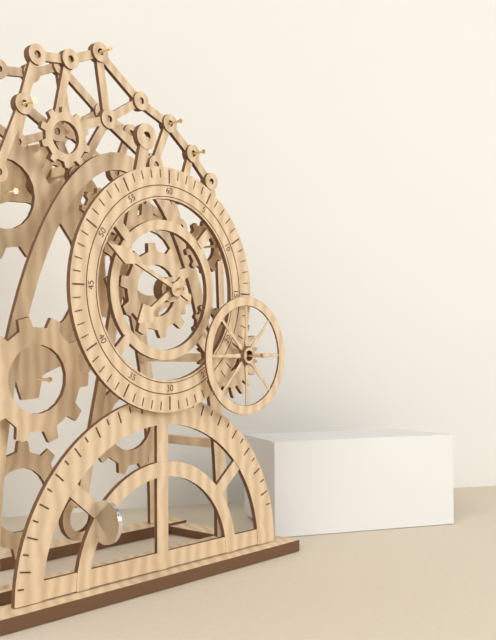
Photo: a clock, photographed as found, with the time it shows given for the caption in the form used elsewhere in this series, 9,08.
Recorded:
7,49
